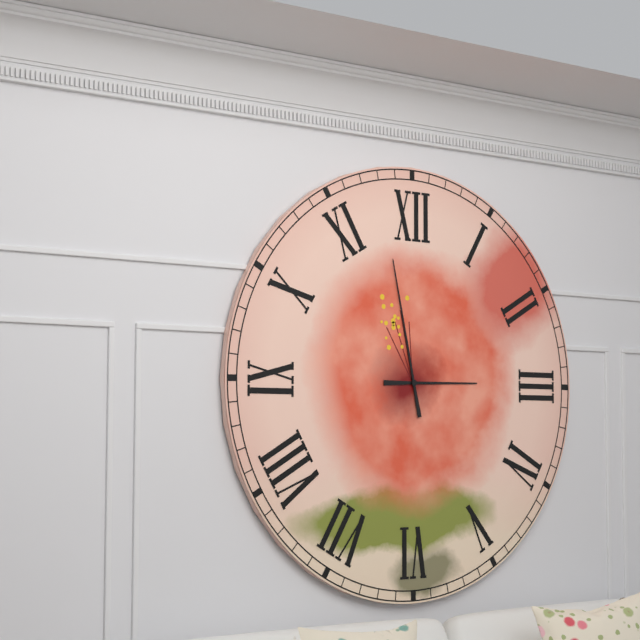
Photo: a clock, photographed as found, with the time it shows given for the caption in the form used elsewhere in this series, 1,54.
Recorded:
2,58
